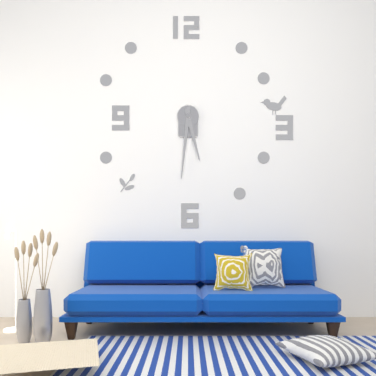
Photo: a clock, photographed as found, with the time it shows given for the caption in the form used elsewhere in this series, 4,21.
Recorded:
5,31
